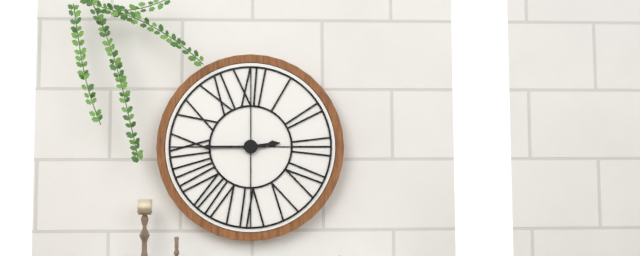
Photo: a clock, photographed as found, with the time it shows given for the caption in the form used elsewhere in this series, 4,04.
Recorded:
2,45
